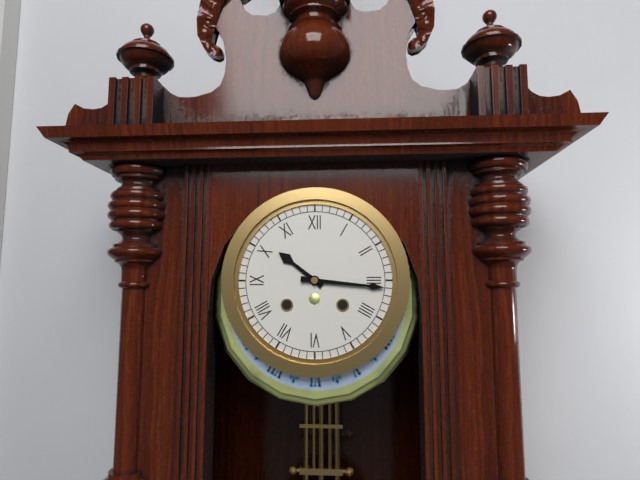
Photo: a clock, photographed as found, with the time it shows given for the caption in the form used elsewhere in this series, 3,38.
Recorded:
10,16
